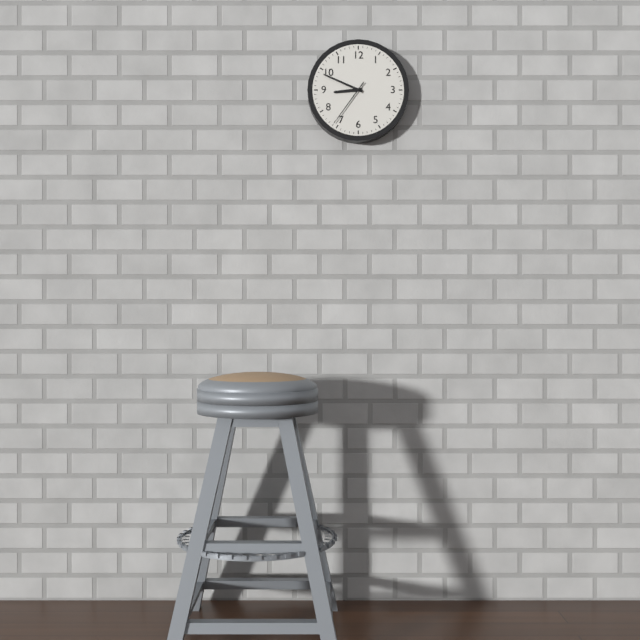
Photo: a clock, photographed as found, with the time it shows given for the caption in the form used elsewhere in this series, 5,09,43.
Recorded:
8,49,36
